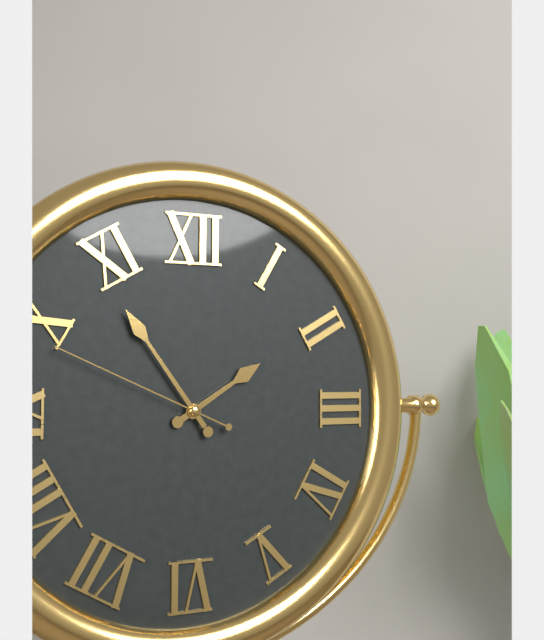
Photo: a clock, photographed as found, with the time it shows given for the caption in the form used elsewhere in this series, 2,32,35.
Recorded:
1,54,49
